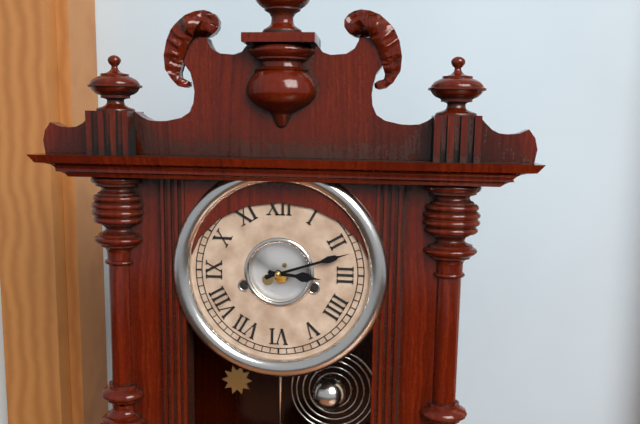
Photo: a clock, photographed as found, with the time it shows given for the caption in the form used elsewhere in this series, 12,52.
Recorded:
3,12
